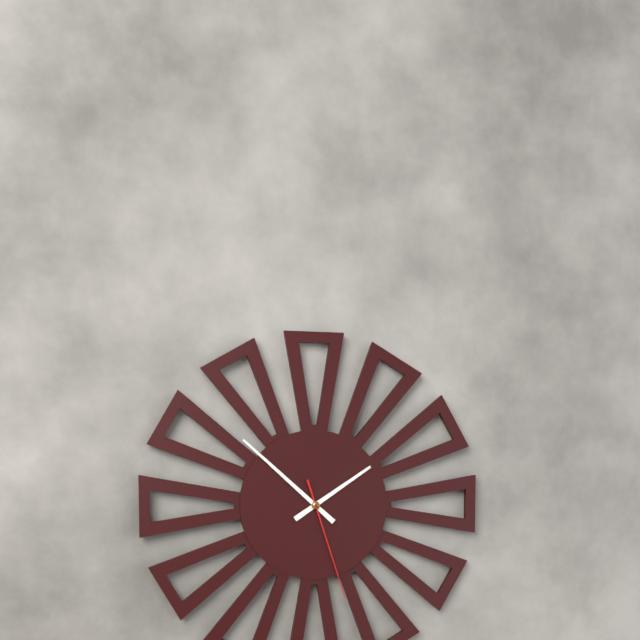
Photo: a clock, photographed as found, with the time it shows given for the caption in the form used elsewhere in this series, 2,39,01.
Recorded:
1,52,27
